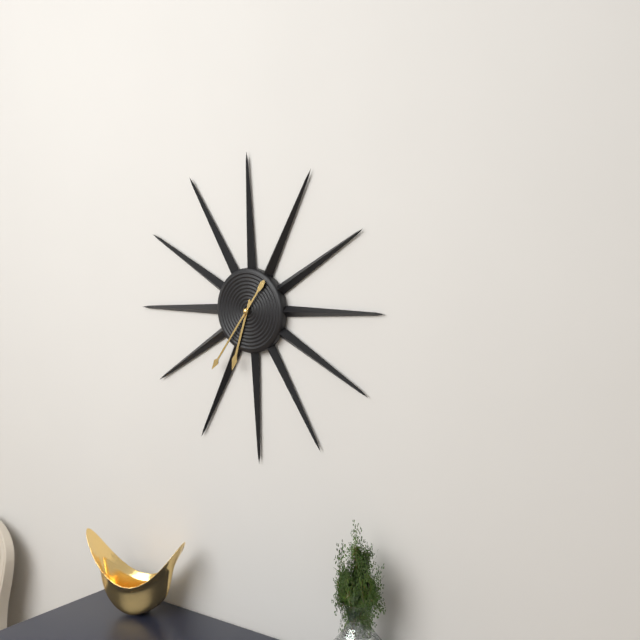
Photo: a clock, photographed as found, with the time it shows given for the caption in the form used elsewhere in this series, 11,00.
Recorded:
6,36
